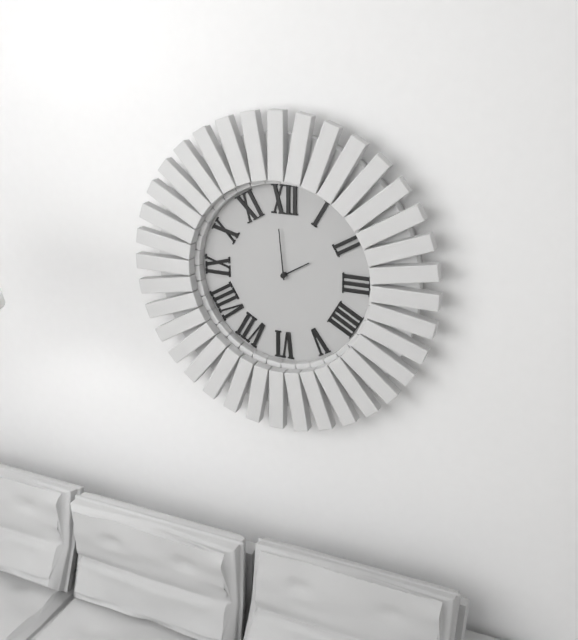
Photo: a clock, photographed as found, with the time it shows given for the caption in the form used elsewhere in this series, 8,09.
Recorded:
1,59
